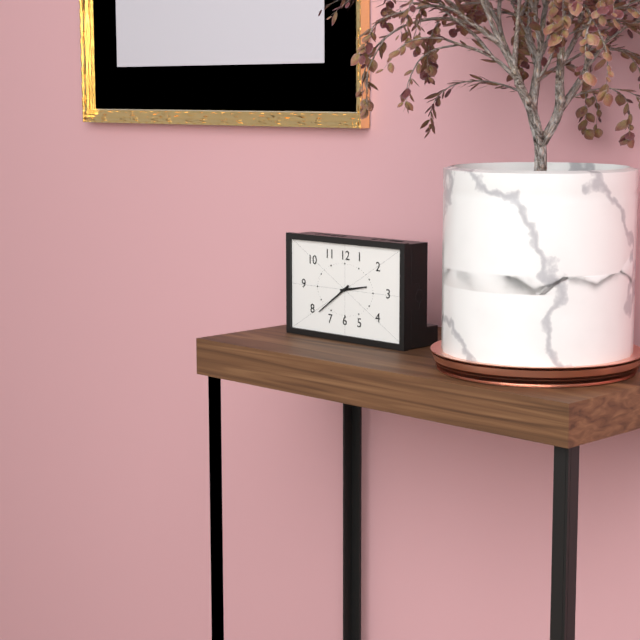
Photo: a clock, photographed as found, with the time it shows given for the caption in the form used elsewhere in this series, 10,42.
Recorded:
2,39
